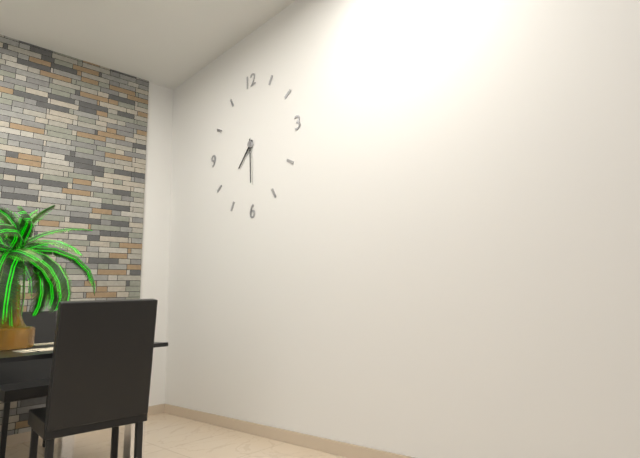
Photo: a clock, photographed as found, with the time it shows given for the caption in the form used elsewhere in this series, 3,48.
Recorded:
7,30
